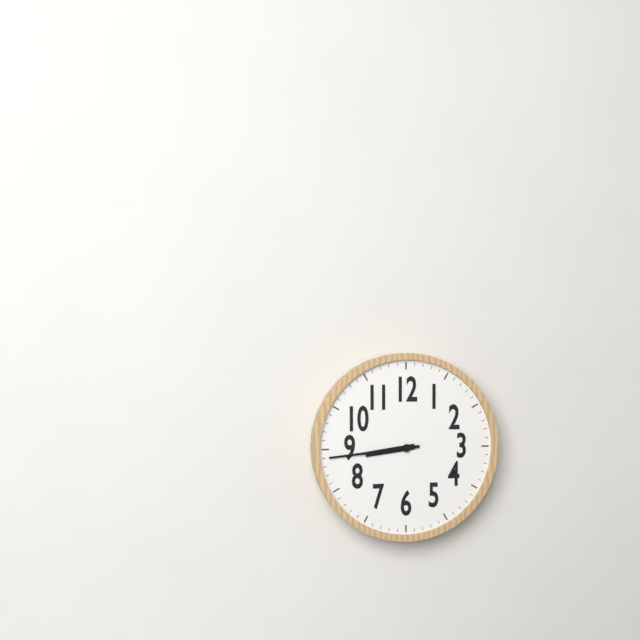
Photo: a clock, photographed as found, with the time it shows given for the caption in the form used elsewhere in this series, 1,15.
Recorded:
8,44
